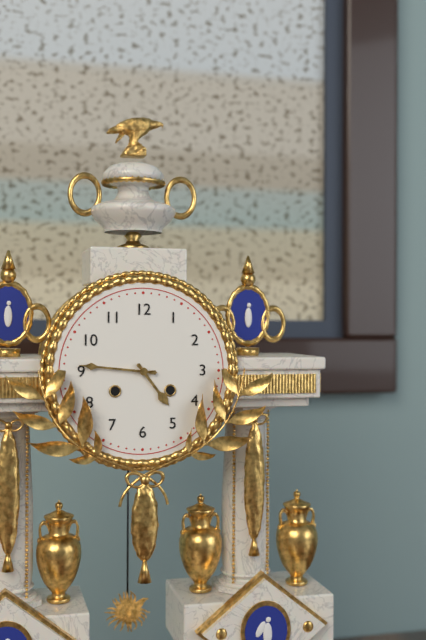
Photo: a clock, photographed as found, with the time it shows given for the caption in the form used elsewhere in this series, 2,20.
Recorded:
4,46
